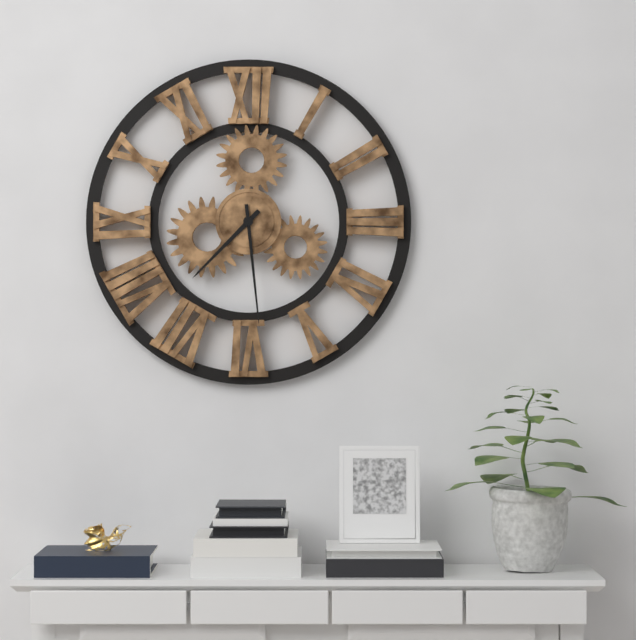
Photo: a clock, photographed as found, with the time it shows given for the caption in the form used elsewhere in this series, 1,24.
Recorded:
7,29
